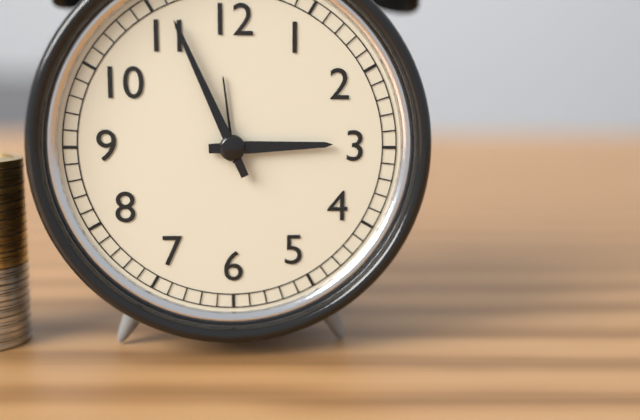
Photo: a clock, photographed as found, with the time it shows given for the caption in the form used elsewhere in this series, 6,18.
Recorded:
2,56
